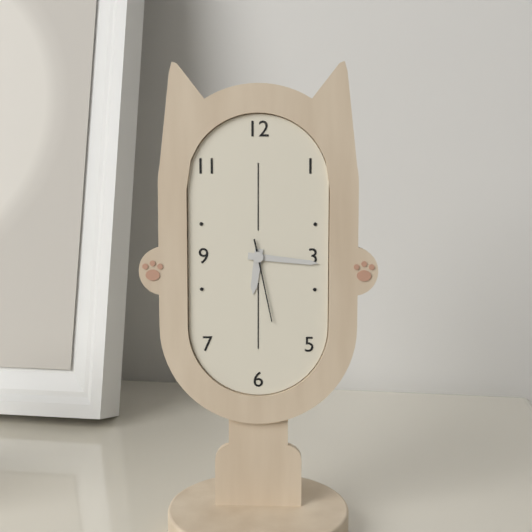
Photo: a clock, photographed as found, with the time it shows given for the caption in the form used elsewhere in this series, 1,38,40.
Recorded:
6,16,28
